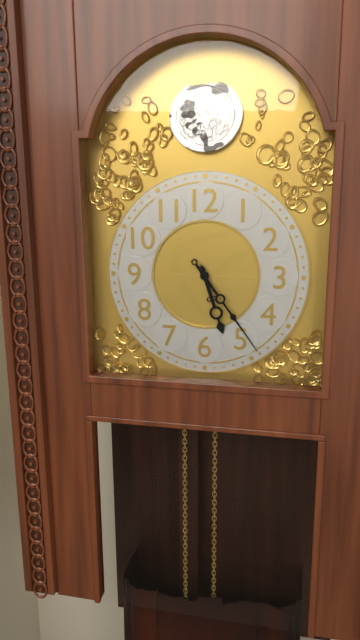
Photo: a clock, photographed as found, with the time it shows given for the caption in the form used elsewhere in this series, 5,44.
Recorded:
5,24
